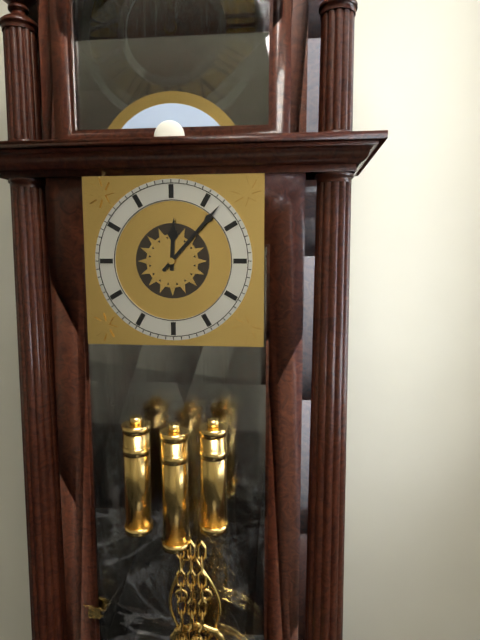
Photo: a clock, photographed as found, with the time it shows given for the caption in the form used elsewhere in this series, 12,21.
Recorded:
12,07
